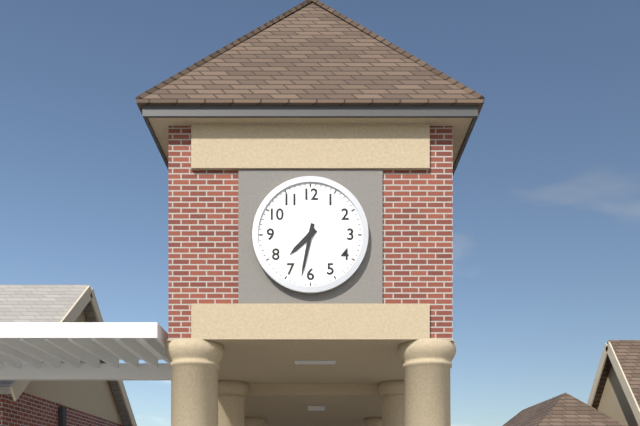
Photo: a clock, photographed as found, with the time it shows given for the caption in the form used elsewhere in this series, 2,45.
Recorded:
7,32
